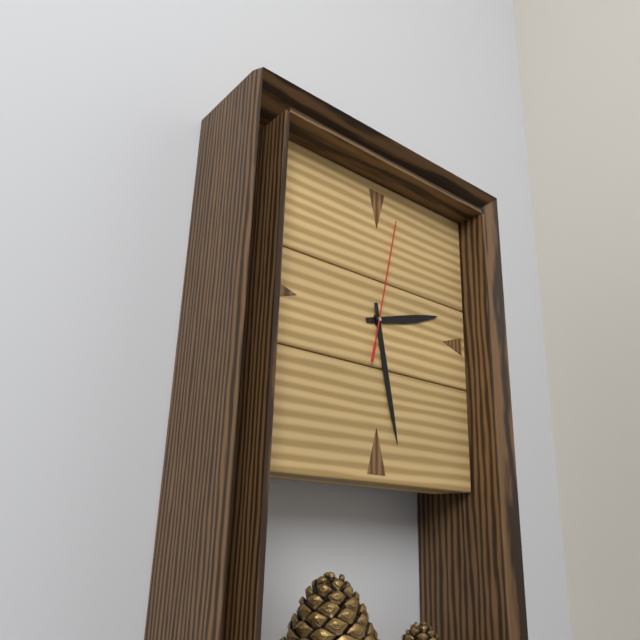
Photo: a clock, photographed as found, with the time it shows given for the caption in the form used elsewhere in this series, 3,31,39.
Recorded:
2,28,02
